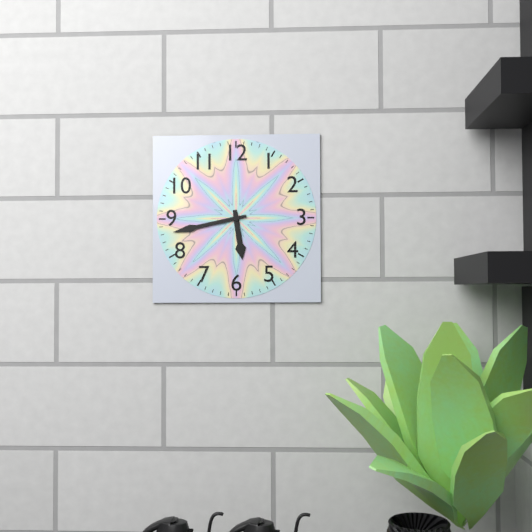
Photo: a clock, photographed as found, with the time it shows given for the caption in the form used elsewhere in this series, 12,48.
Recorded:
5,43
